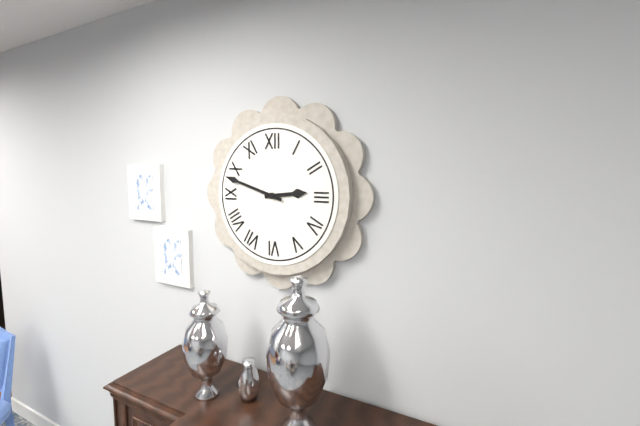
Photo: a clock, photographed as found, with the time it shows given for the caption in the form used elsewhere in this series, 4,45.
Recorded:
2,48
